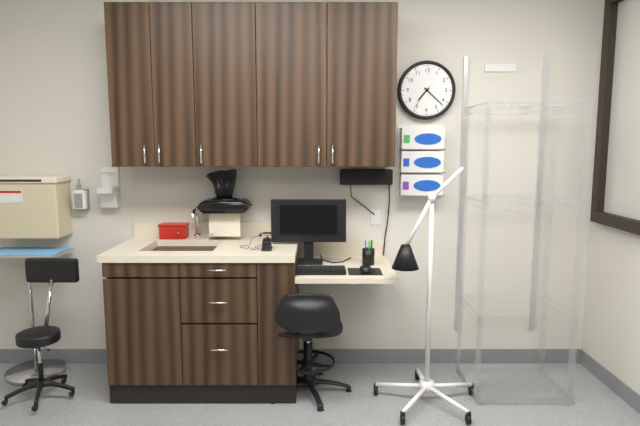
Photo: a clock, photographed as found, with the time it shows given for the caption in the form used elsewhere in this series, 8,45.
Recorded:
7,22
